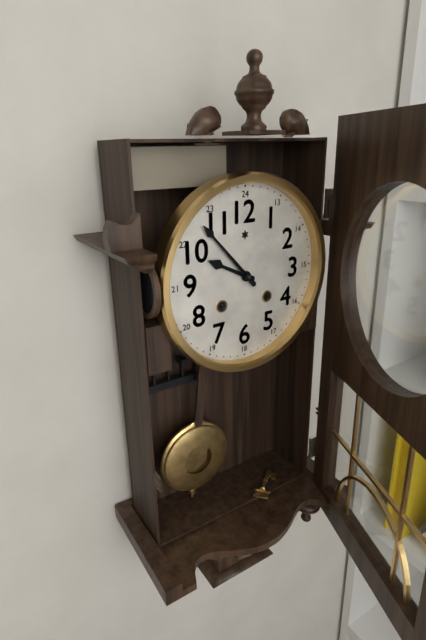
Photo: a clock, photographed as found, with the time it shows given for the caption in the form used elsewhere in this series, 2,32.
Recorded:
9,53
